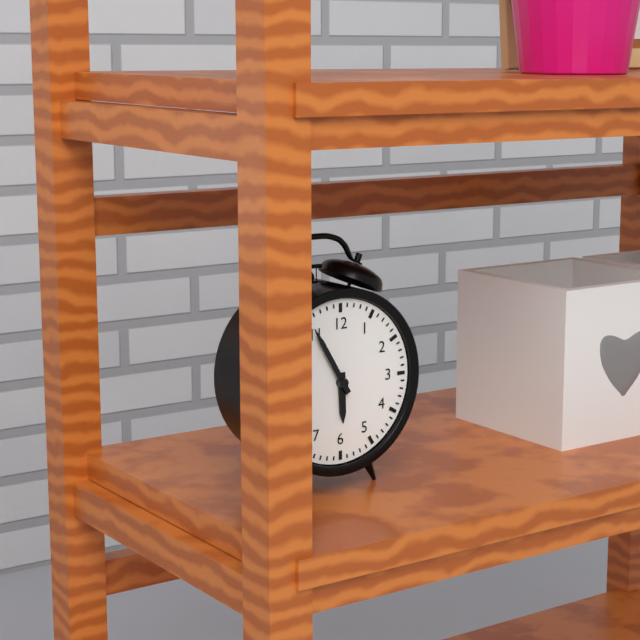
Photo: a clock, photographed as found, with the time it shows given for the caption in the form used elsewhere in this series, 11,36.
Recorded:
5,55
